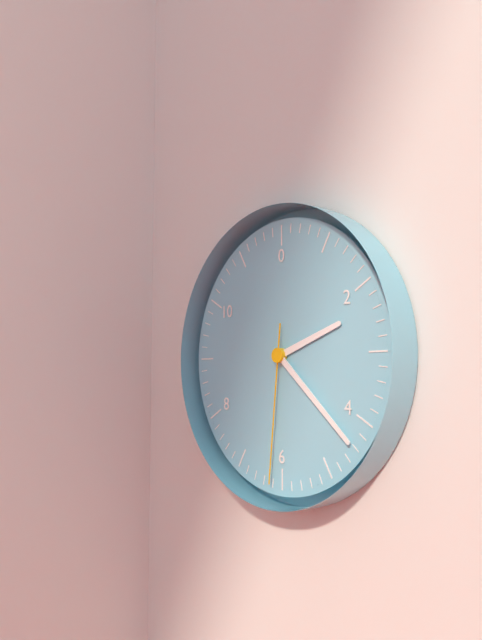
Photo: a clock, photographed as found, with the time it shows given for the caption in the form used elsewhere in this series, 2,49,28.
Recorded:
2,22,31
